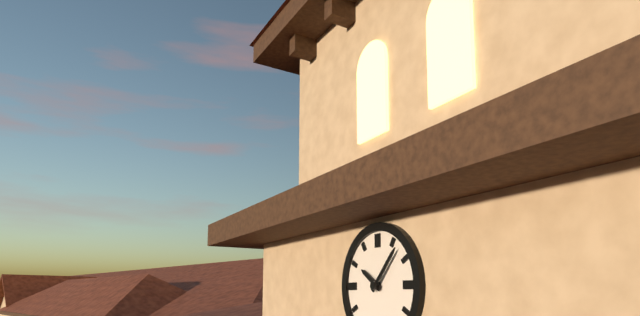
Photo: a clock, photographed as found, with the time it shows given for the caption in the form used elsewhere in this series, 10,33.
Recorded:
10,07
